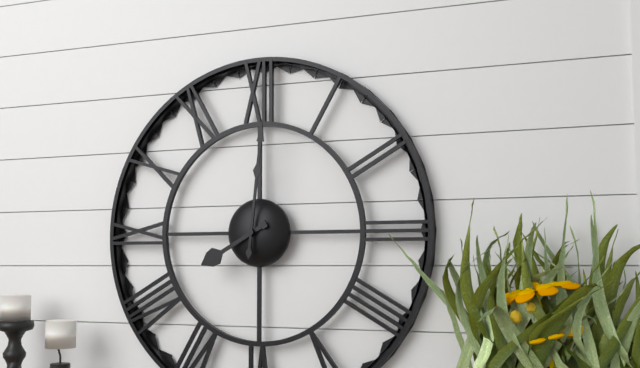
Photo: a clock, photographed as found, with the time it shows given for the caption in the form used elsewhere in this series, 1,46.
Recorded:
8,01
